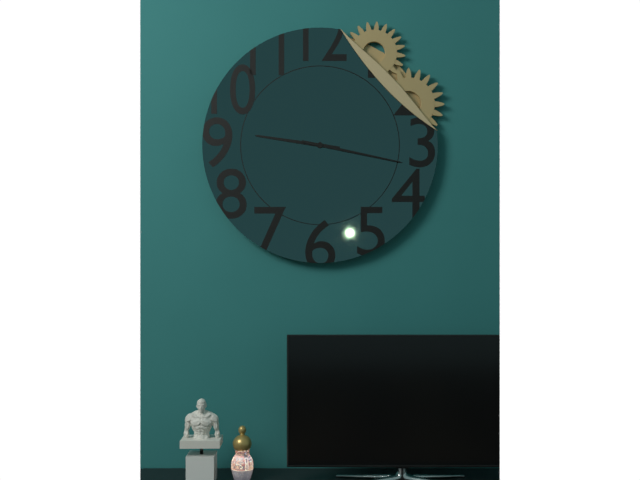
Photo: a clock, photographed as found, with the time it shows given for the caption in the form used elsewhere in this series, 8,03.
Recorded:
9,17
